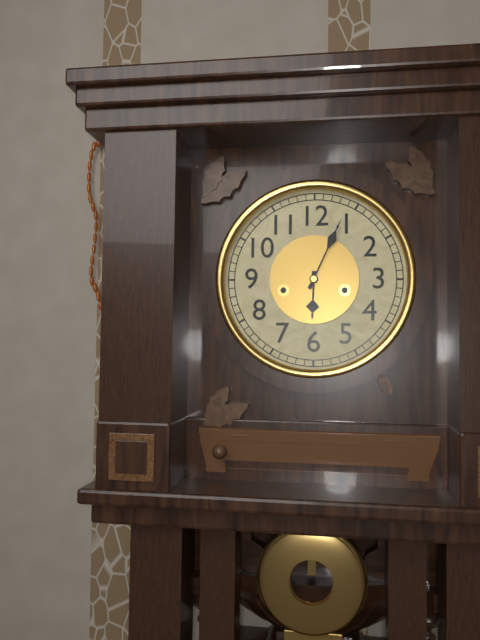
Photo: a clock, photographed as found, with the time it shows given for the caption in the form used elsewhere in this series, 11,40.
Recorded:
6,04
